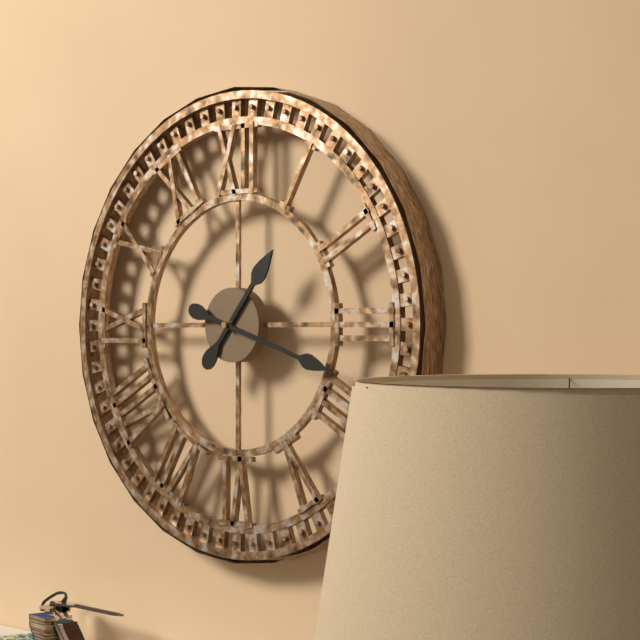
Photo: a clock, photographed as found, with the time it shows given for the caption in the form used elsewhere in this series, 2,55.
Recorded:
1,18
